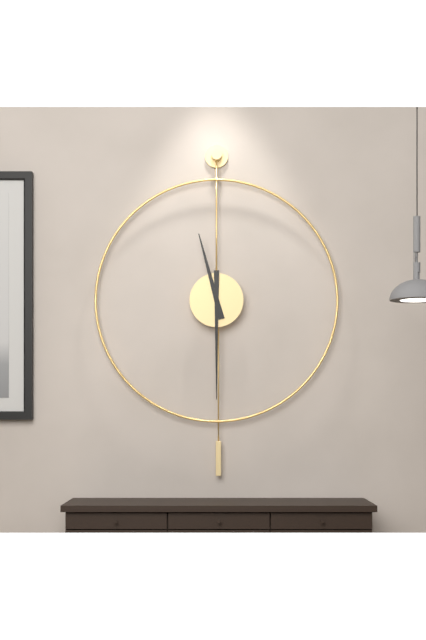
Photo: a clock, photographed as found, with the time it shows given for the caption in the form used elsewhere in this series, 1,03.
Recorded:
11,30
